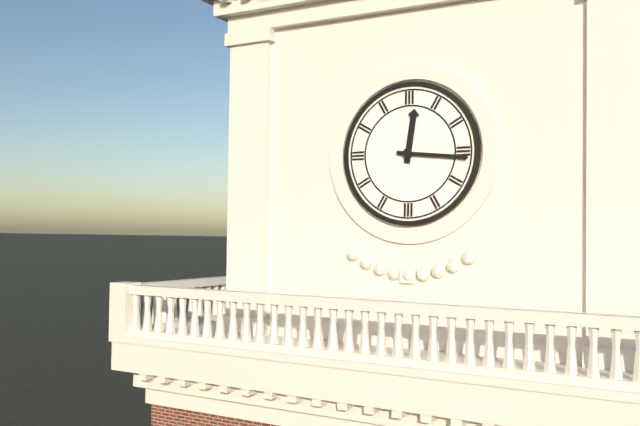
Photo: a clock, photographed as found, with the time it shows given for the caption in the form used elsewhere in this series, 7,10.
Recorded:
12,16
